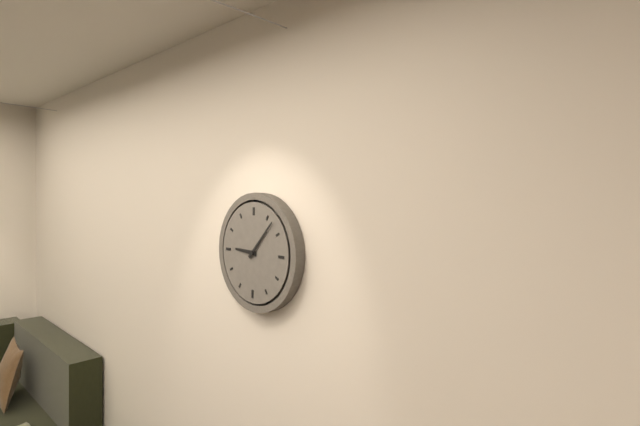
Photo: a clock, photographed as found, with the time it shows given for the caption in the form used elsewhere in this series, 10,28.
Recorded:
9,07
